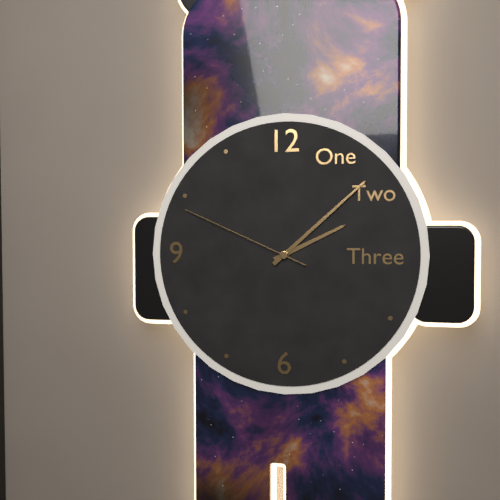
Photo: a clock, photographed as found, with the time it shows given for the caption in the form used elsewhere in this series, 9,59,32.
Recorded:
2,08,49
